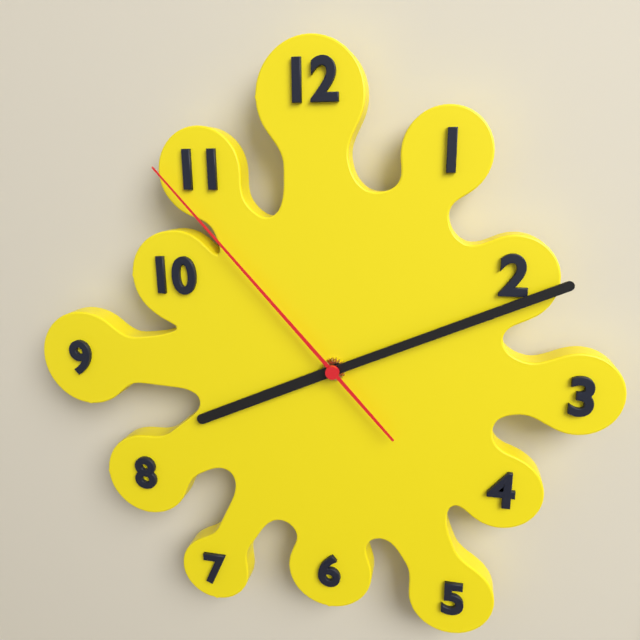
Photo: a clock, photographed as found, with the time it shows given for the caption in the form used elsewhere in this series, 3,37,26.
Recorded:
8,11,53
